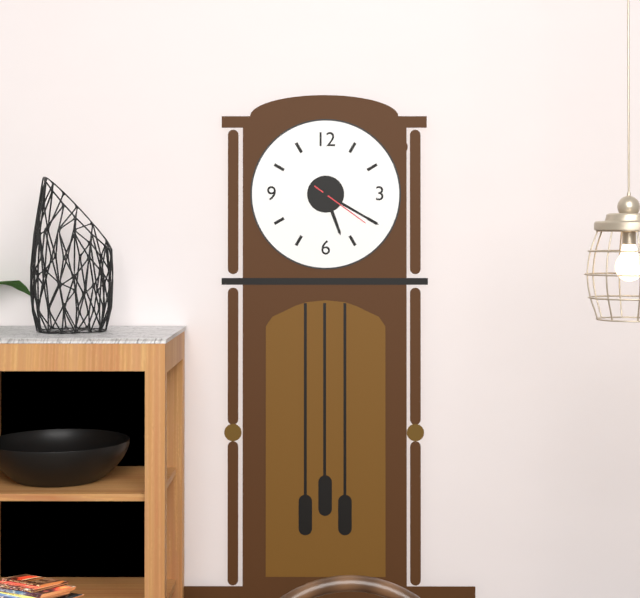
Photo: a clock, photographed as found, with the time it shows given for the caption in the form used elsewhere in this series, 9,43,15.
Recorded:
5,20,21
